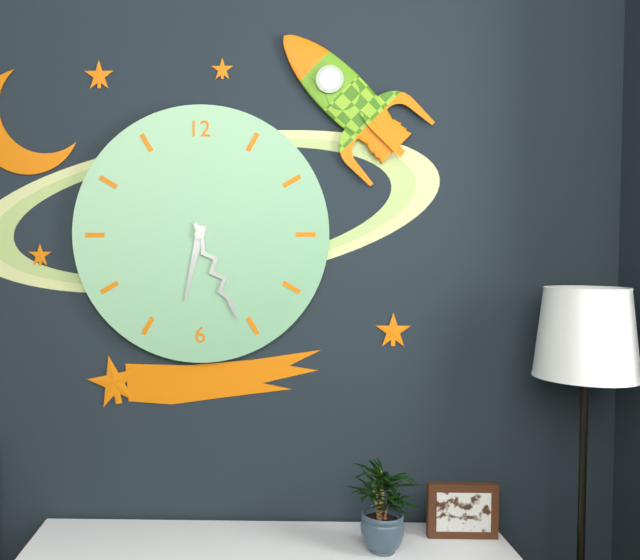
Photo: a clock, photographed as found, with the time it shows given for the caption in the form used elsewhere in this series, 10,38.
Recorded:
6,26
